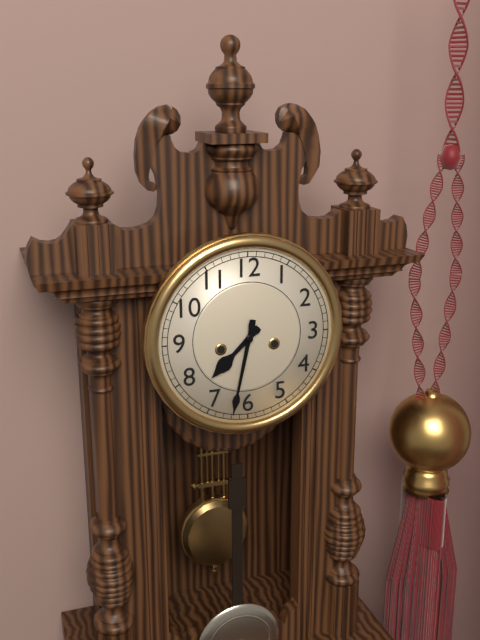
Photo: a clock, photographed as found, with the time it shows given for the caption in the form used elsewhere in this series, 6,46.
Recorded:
7,32
